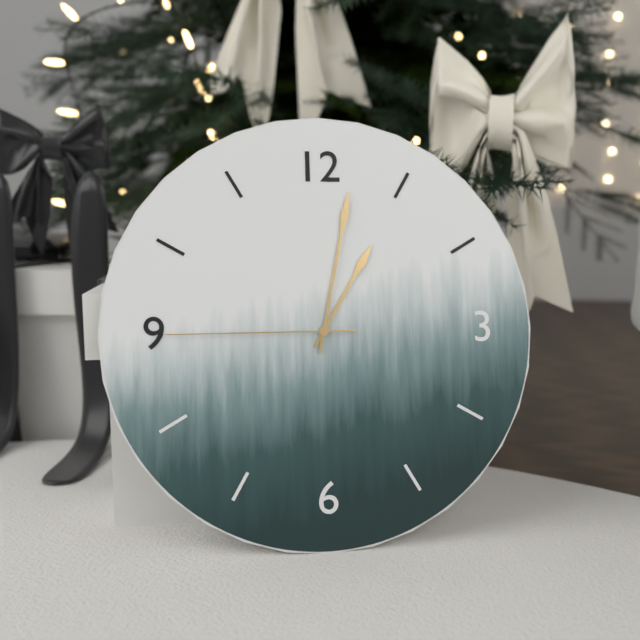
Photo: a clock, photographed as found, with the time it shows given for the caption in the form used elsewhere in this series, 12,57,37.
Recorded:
1,02,45
